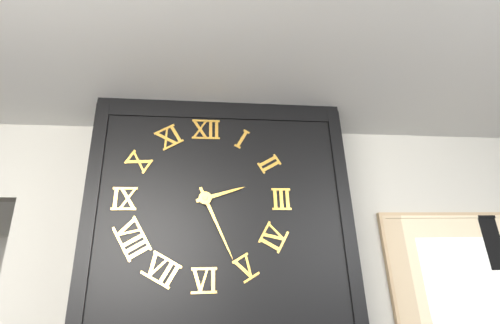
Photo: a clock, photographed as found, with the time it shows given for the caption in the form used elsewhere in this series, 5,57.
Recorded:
2,26
